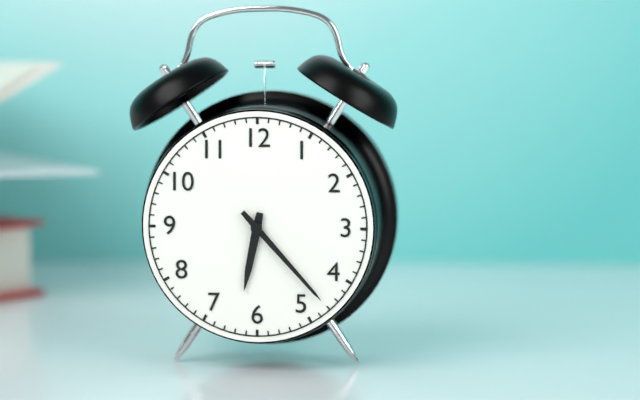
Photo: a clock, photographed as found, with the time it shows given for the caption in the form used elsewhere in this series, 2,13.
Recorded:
6,23
